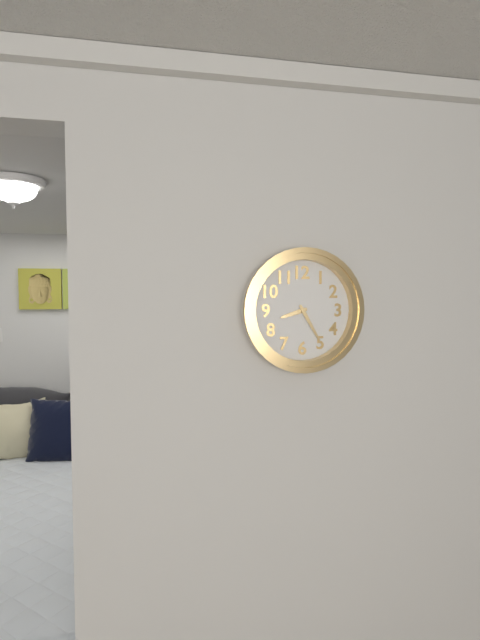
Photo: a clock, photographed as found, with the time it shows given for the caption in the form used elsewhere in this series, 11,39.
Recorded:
8,25
